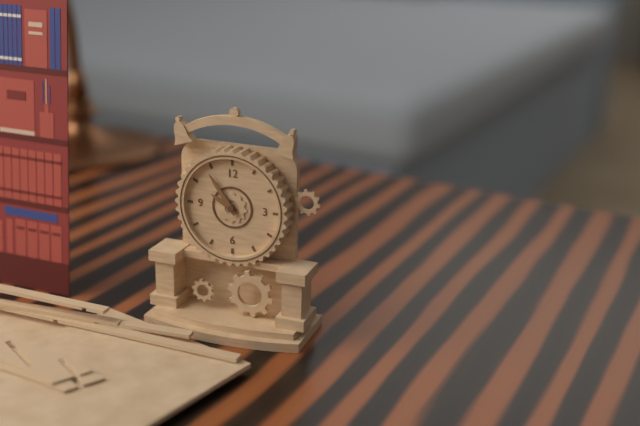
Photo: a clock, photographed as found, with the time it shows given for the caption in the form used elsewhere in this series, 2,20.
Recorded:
9,54
